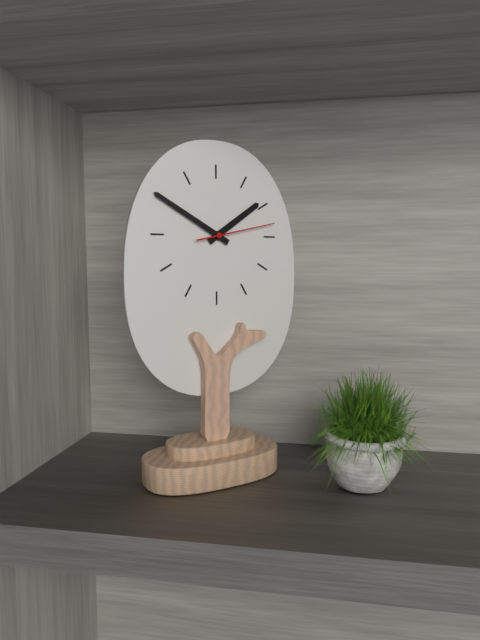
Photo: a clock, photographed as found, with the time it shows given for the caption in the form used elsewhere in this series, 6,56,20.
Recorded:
1,50,13
